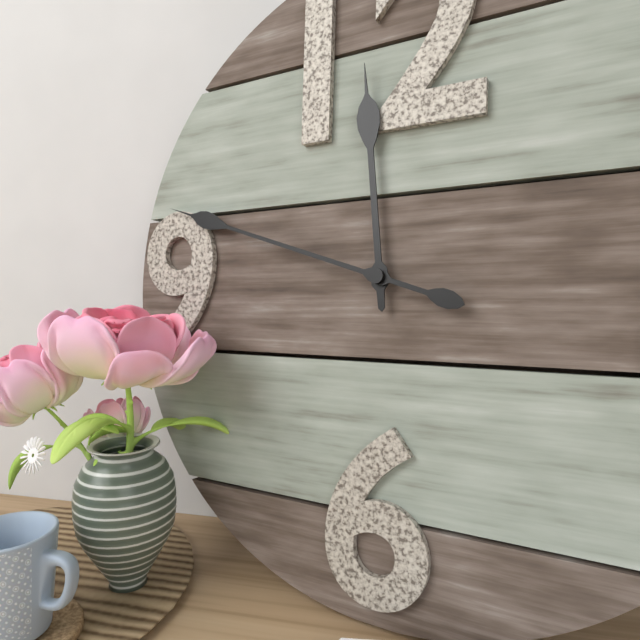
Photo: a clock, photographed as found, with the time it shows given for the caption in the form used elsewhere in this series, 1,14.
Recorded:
11,48
